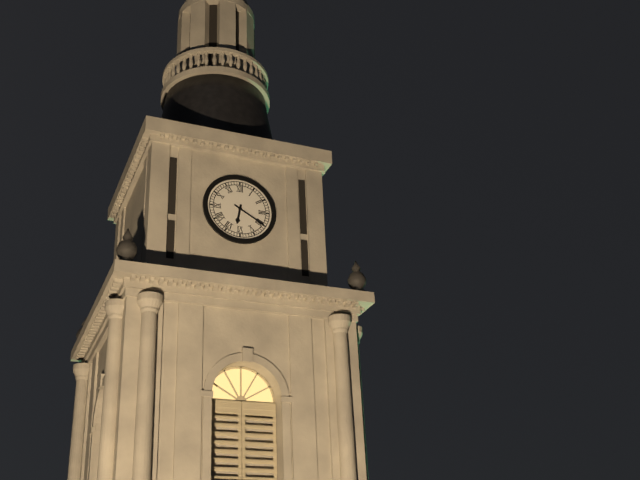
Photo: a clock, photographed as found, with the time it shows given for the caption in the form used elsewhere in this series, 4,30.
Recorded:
6,20
